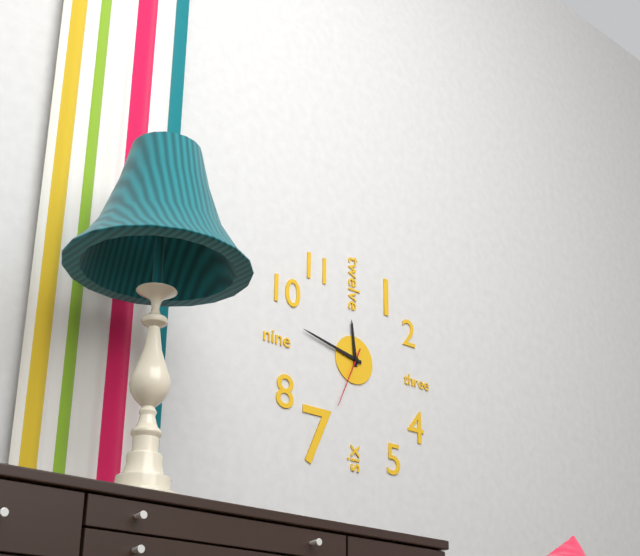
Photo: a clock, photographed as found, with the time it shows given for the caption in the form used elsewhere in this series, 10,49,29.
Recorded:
11,47,34
